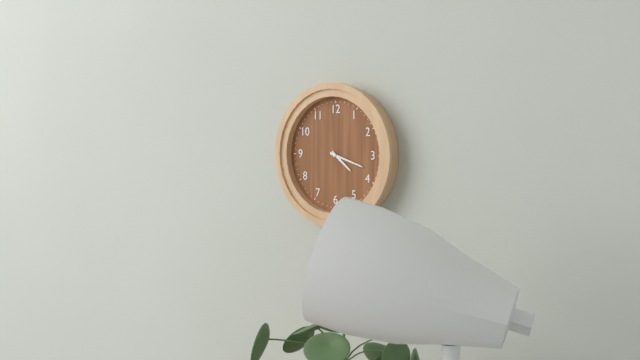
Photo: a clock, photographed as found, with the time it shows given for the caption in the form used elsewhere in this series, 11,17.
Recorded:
4,18
